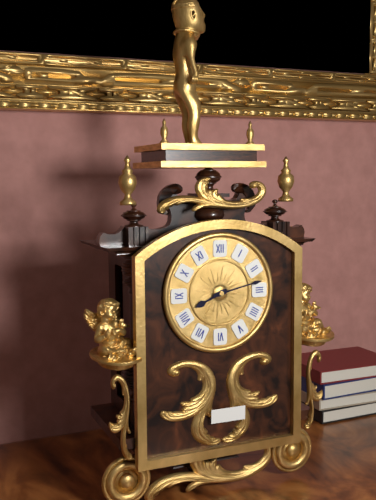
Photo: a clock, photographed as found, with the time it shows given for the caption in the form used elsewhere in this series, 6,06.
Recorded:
8,13
